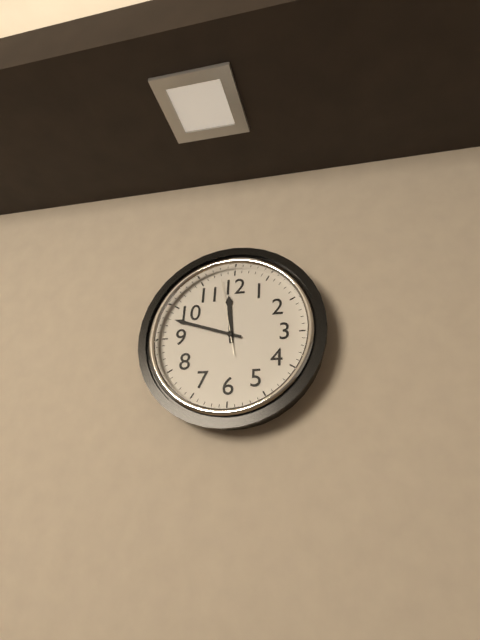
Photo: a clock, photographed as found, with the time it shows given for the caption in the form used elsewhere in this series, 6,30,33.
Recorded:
11,48,58
